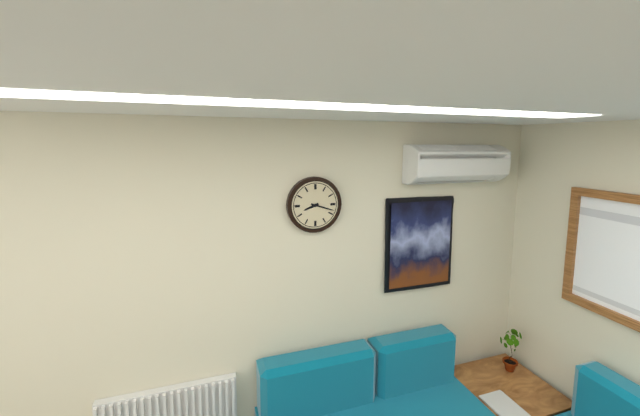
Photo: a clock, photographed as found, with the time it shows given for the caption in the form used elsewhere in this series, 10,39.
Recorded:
8,18
